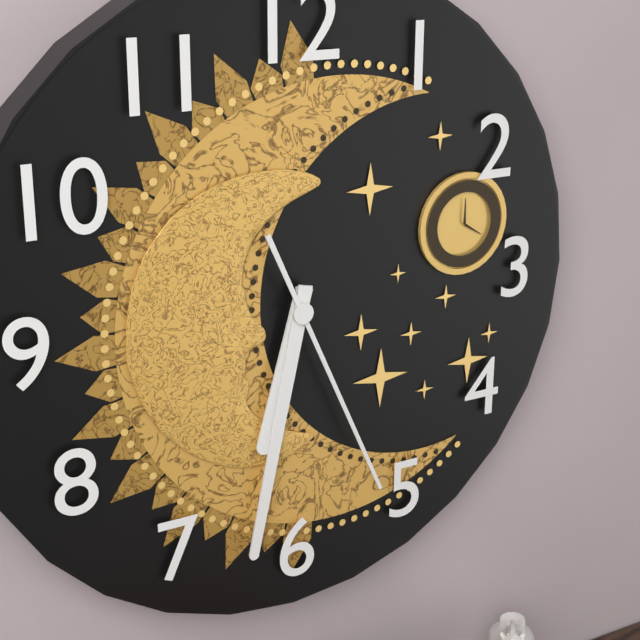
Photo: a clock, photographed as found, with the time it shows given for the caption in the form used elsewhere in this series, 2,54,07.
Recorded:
6,32,26
